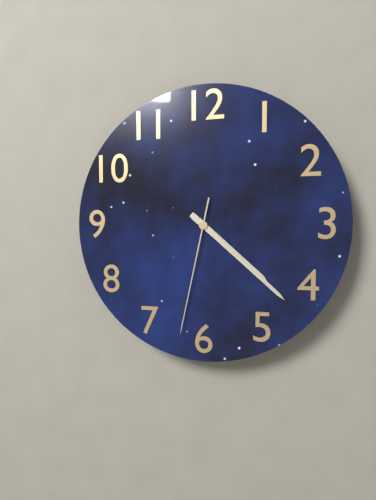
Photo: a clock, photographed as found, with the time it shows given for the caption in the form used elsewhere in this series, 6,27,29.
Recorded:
4,22,32
